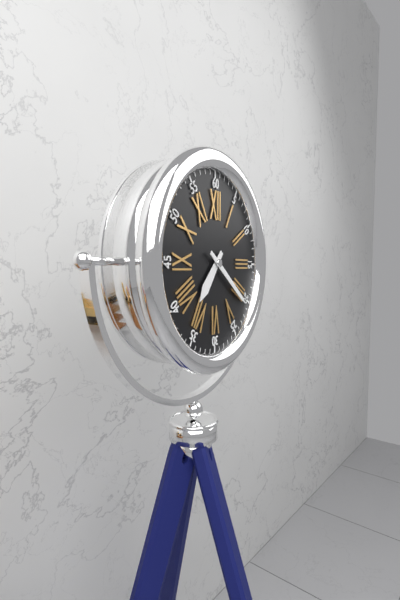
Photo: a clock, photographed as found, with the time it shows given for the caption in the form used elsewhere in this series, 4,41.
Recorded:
7,21
